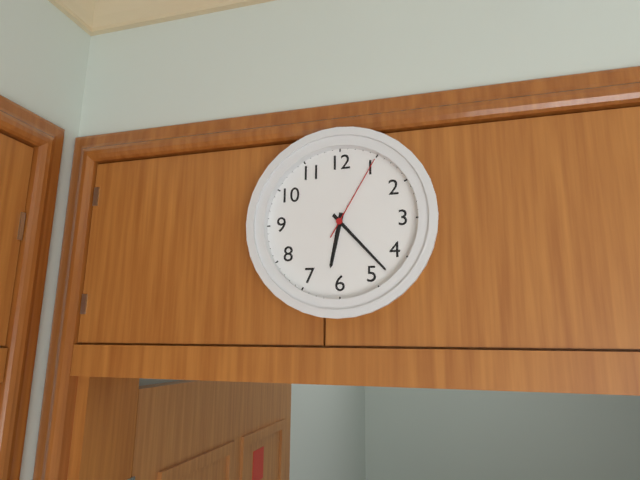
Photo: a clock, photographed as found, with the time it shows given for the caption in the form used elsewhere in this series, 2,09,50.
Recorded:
6,23,05
